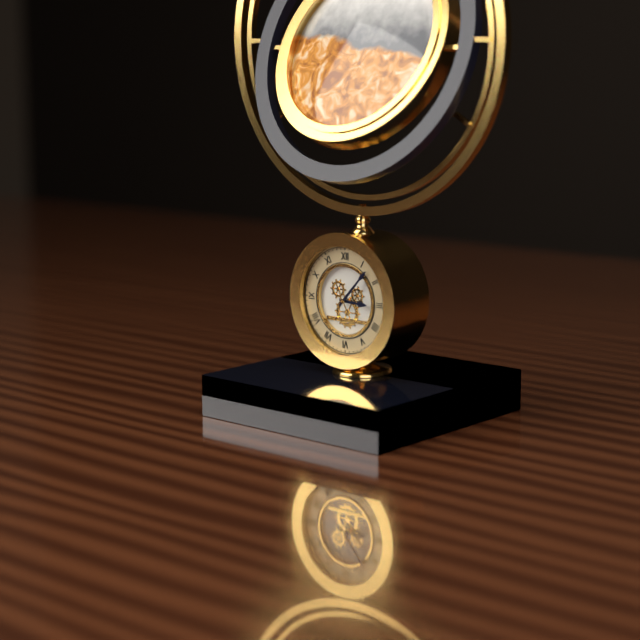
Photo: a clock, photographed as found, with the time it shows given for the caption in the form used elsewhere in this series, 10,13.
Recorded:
3,07
